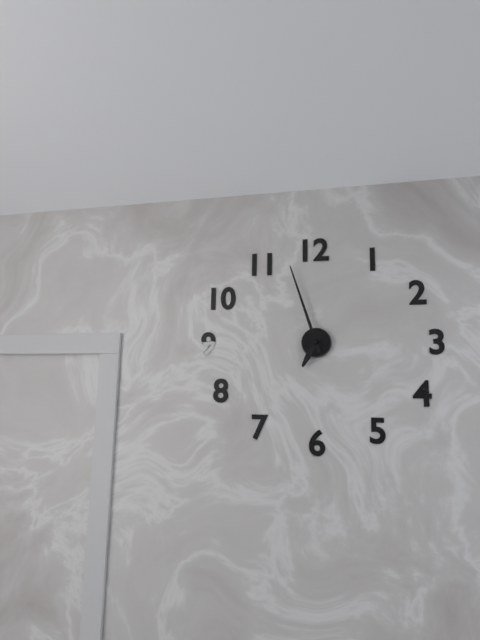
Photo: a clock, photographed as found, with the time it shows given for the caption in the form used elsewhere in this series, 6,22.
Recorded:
6,57
